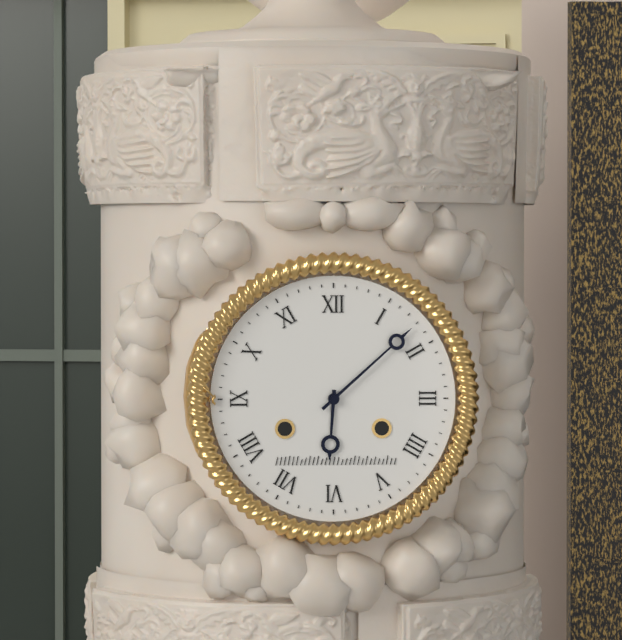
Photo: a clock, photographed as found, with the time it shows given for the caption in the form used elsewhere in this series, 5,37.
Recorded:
6,08
